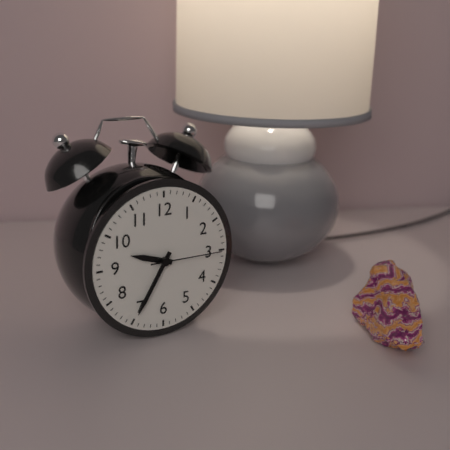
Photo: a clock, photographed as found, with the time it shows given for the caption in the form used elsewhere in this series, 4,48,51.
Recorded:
9,35,15
